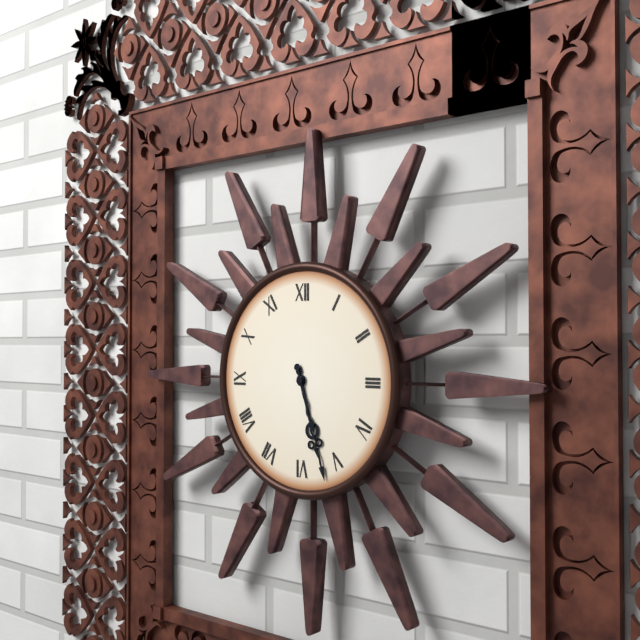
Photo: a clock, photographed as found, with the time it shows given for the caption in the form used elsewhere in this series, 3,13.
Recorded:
5,27
